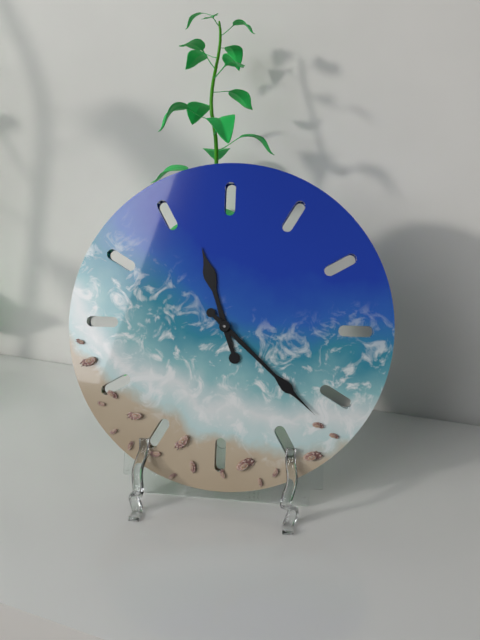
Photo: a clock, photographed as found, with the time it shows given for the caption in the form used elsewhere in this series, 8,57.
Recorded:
11,22
